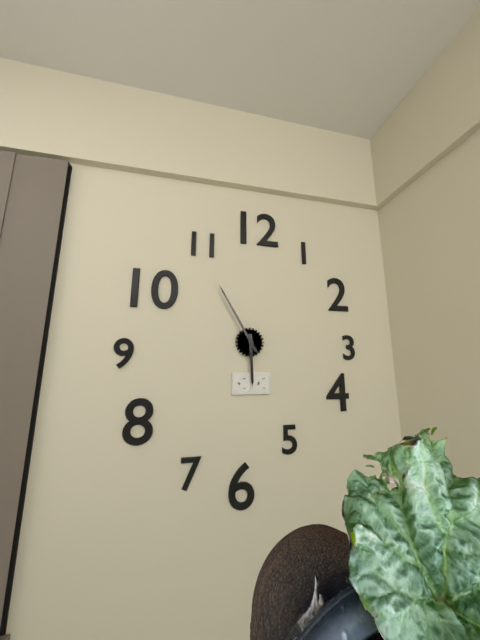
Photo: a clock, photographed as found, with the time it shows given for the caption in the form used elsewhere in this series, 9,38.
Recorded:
5,55
